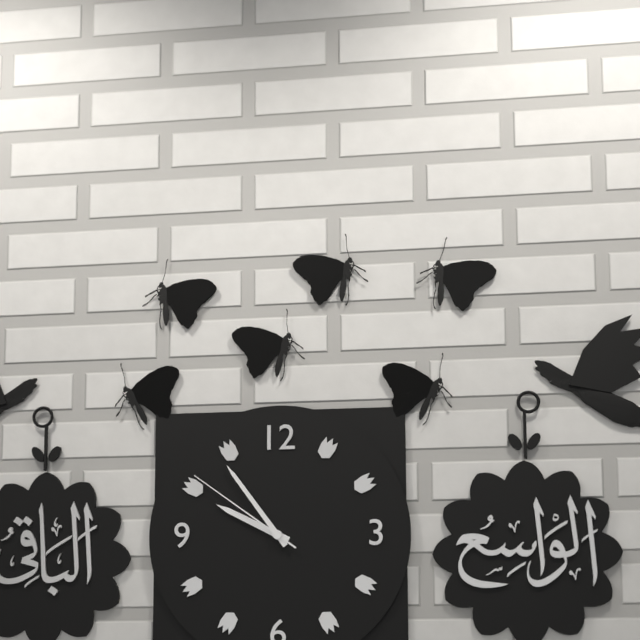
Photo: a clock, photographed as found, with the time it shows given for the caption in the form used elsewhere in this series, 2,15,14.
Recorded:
9,54,51
